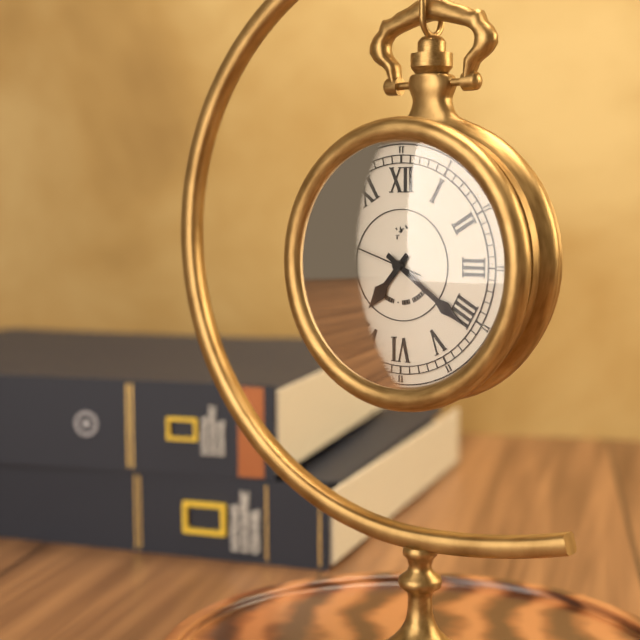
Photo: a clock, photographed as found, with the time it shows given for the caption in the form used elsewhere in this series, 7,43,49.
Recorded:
7,21,48
